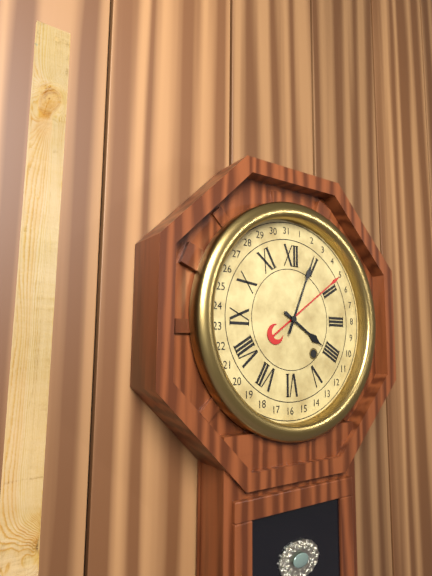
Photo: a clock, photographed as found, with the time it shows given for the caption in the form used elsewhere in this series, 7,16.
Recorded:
4,04
